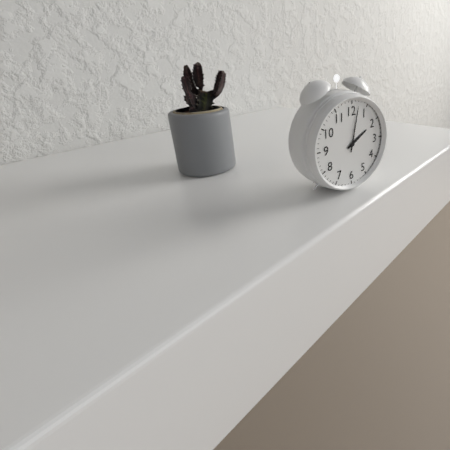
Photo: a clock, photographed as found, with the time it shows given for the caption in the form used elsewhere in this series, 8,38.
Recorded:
2,02
